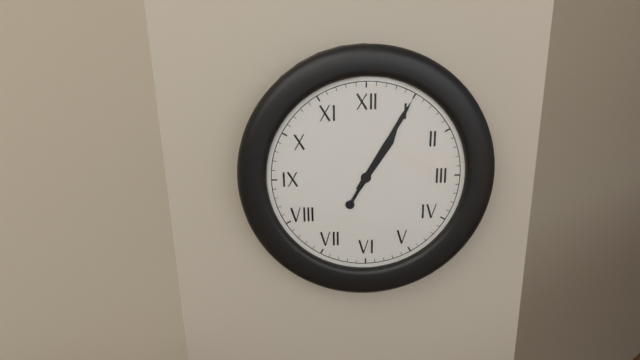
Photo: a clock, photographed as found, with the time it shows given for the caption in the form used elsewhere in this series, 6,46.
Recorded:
1,05
